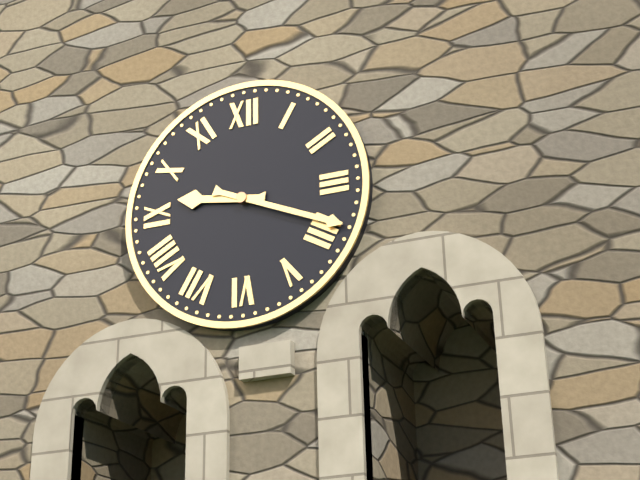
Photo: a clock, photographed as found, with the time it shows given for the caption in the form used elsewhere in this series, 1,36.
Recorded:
9,19
